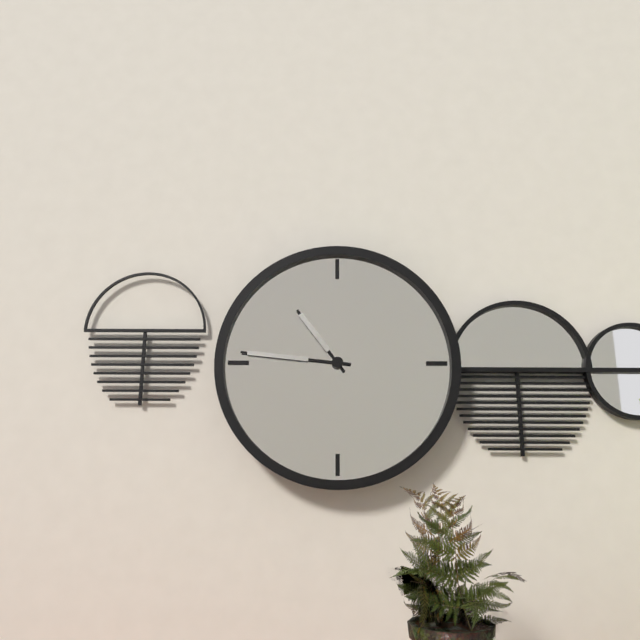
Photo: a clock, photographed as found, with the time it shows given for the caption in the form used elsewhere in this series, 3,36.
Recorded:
10,46
